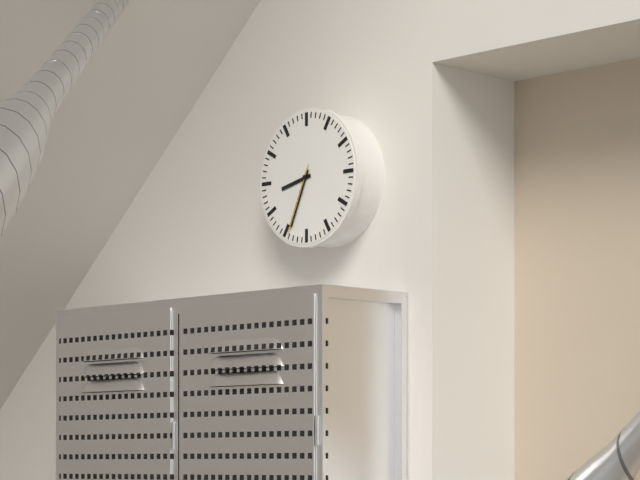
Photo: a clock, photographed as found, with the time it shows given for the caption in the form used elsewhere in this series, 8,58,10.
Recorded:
8,34,34
